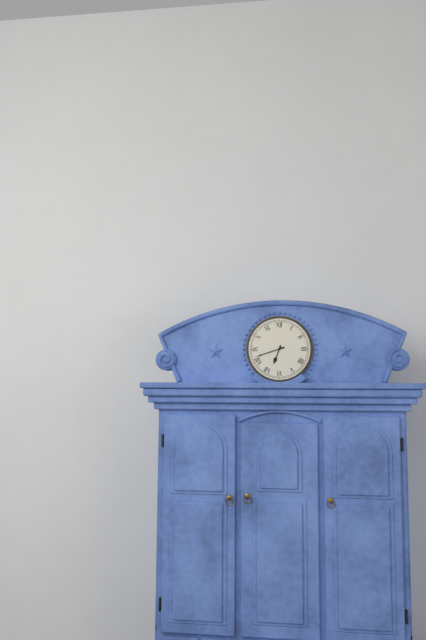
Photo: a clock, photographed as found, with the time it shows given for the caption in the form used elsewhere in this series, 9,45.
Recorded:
6,42
